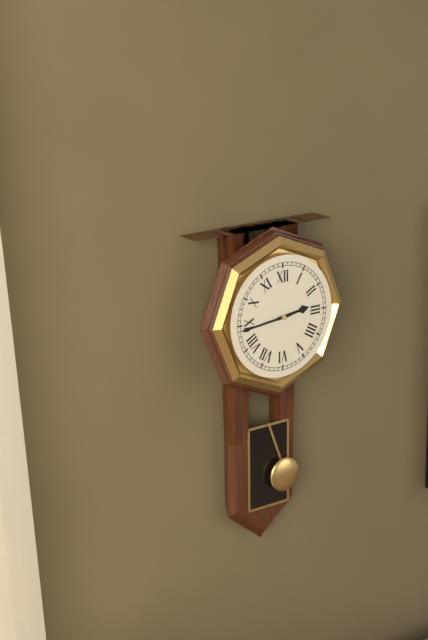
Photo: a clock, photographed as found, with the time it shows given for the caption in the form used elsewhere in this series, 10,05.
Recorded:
2,44
